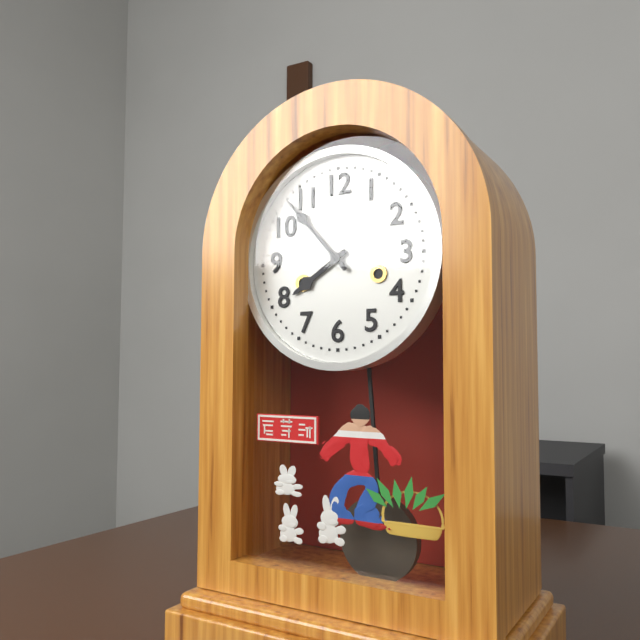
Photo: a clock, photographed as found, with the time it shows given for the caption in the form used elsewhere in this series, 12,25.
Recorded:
7,53
